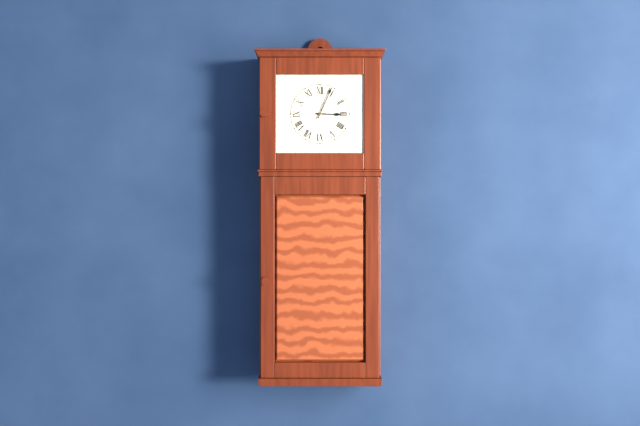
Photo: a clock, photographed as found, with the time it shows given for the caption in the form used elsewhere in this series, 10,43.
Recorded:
3,04
